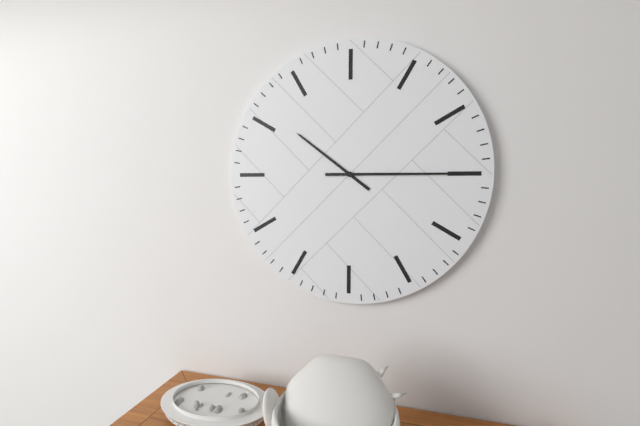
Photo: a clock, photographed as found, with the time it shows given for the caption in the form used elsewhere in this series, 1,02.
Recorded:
10,15
